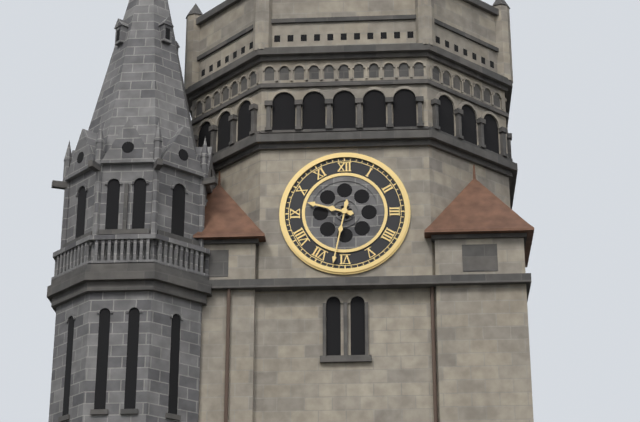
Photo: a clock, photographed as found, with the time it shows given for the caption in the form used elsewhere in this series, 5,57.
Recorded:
9,32
